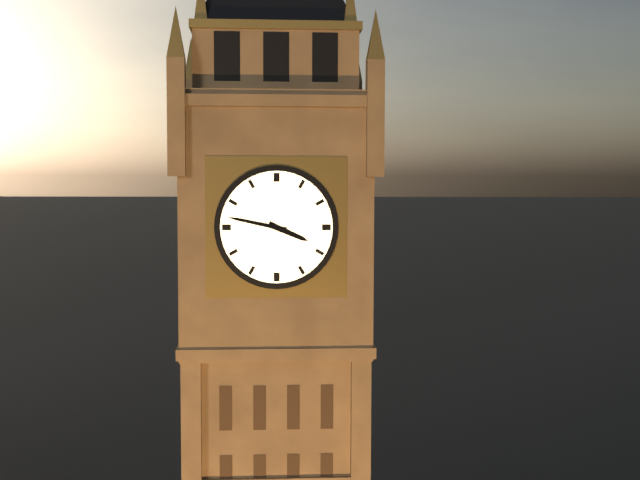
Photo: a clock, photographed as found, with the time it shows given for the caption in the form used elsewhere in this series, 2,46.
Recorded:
3,47
